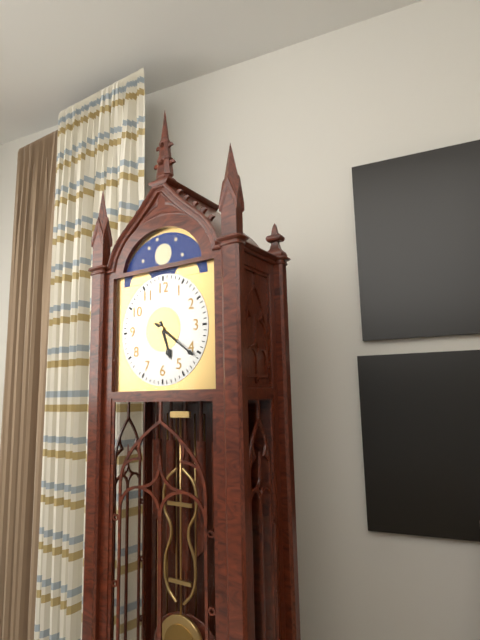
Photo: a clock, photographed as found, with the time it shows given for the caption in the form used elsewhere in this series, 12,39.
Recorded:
5,21
